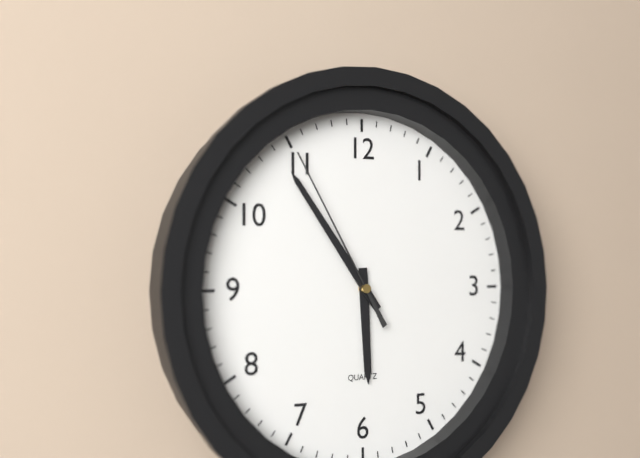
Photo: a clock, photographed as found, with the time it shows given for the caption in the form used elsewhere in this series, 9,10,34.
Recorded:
5,54,55
